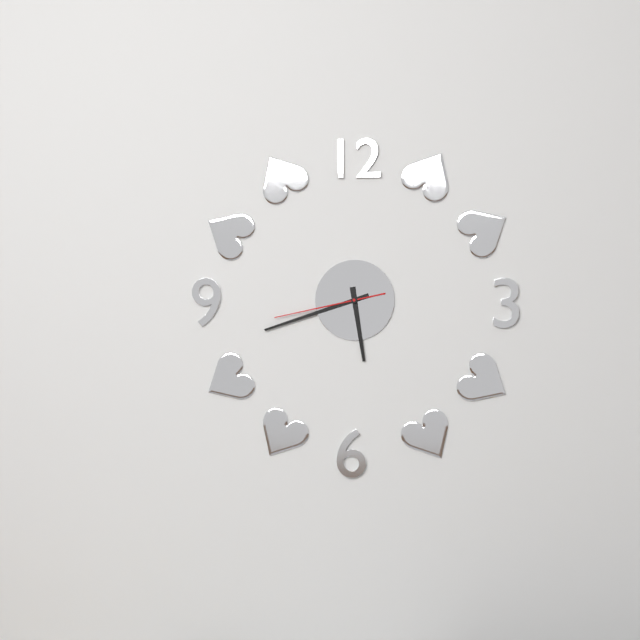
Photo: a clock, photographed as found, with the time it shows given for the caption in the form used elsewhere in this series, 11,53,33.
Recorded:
5,42,43
